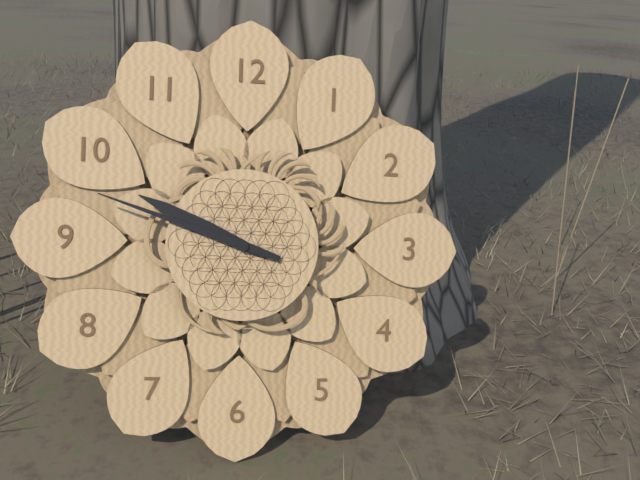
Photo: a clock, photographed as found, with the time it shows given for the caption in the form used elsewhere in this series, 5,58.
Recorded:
9,48
